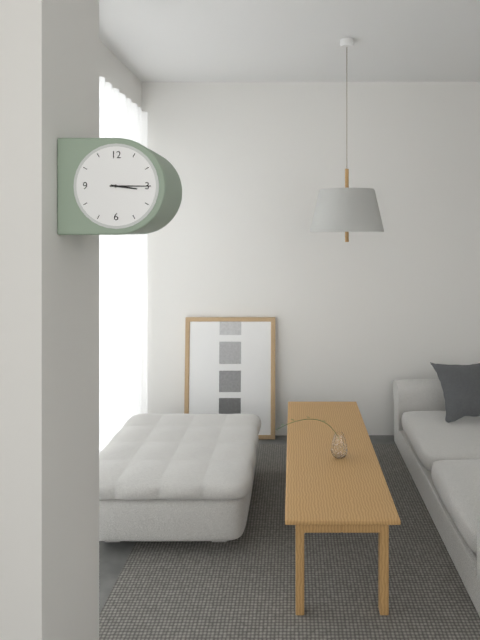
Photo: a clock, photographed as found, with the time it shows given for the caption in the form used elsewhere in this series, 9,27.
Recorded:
3,15
